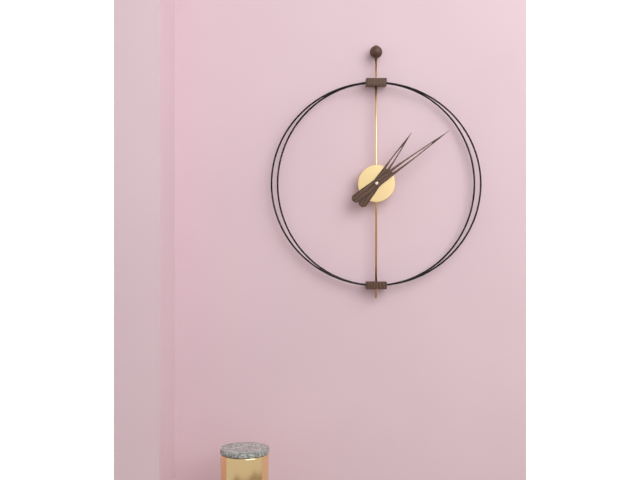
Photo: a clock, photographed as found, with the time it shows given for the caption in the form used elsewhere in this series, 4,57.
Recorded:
1,09
